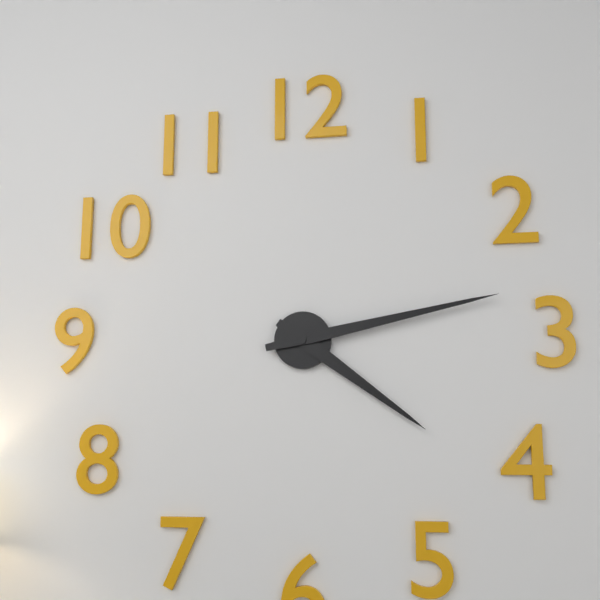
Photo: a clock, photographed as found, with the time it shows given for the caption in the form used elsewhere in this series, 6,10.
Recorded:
4,13
